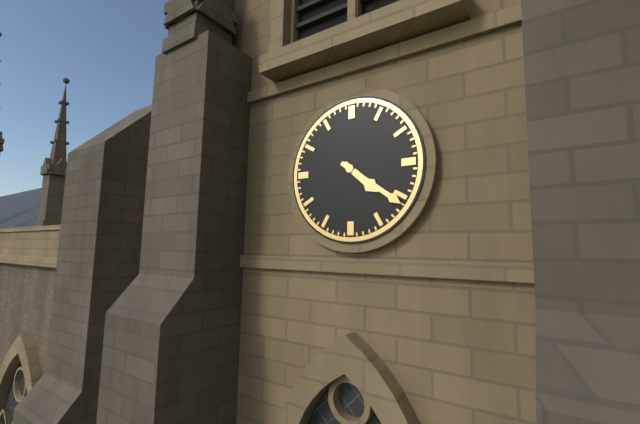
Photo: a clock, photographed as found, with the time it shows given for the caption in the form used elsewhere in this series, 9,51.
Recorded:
4,21
